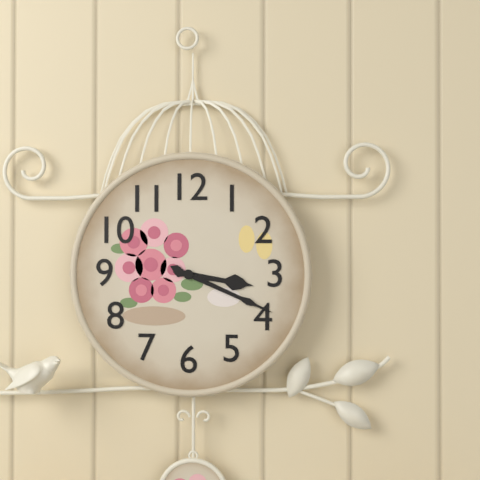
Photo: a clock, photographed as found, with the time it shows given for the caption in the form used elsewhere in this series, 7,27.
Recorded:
3,19
